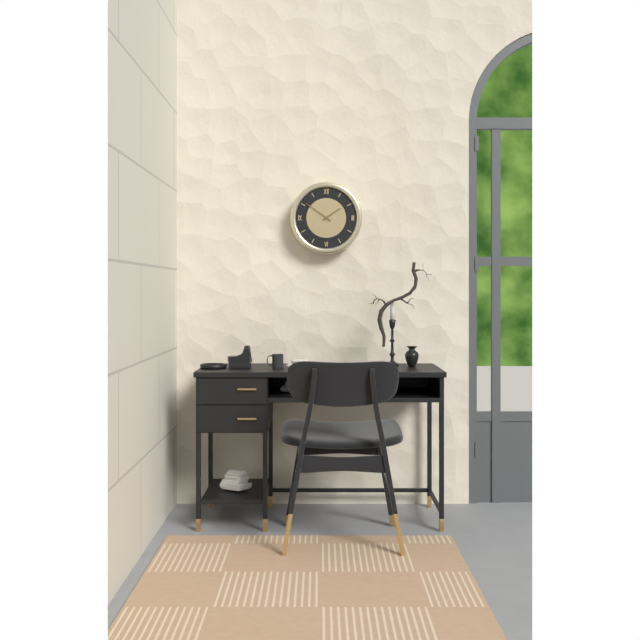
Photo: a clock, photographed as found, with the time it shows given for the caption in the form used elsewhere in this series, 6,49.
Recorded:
1,51
